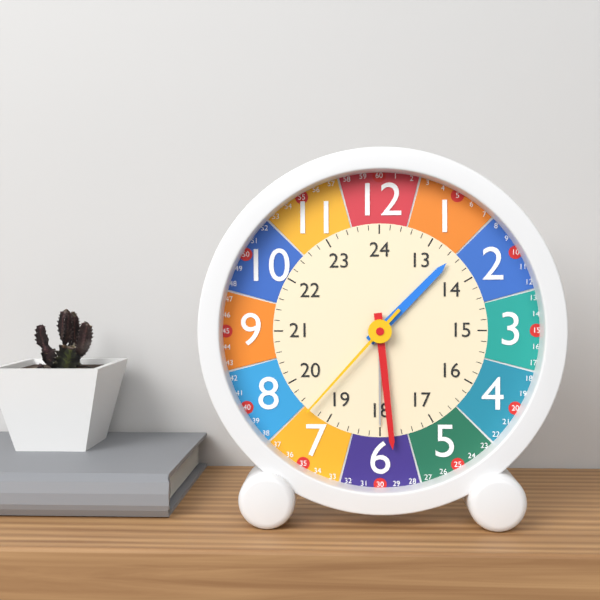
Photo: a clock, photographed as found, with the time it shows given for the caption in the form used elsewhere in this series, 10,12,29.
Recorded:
1,29,37
